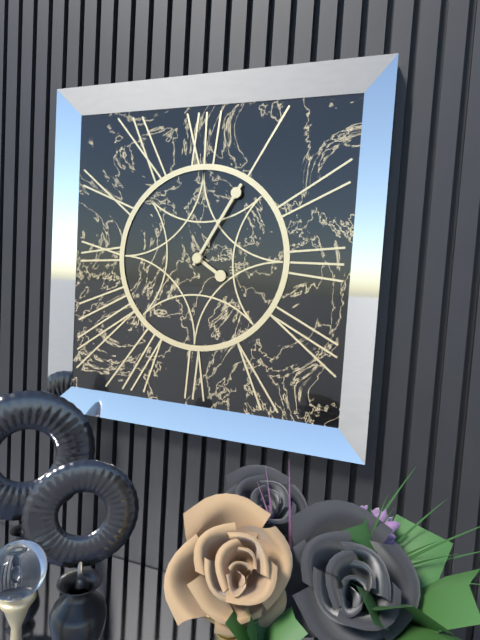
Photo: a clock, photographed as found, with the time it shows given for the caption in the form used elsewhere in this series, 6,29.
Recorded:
4,05
